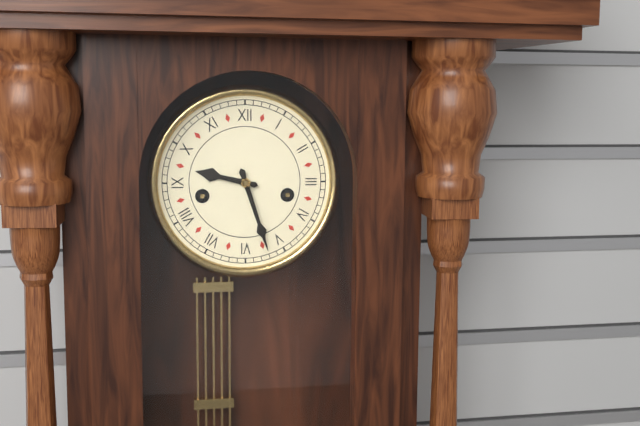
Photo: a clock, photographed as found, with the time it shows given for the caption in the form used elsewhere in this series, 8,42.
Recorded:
9,27
